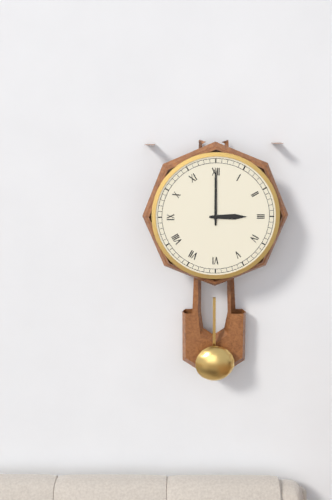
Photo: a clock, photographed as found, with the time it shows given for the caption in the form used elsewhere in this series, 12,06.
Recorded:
3,00
